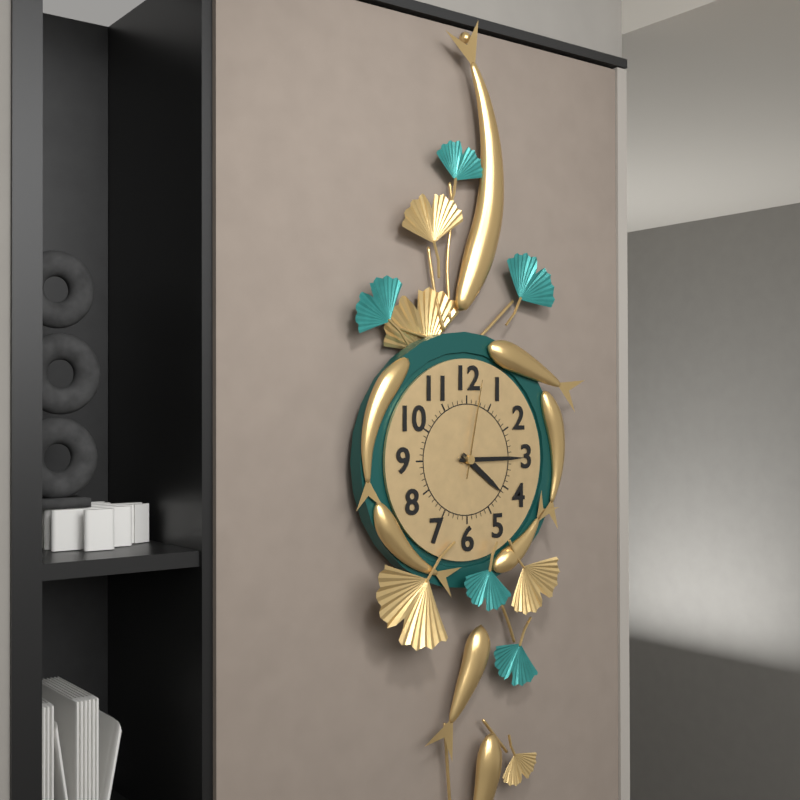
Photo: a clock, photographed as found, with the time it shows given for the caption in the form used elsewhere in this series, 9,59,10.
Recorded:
4,15,02
